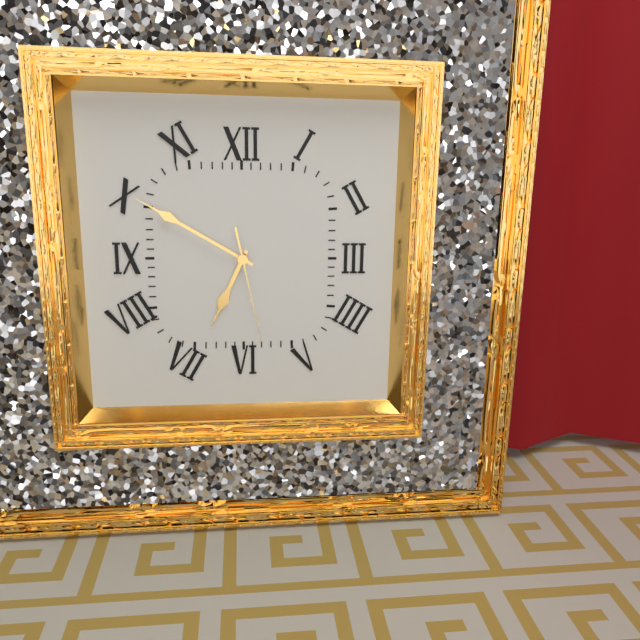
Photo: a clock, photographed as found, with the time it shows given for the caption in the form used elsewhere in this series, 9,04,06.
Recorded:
6,50,28
